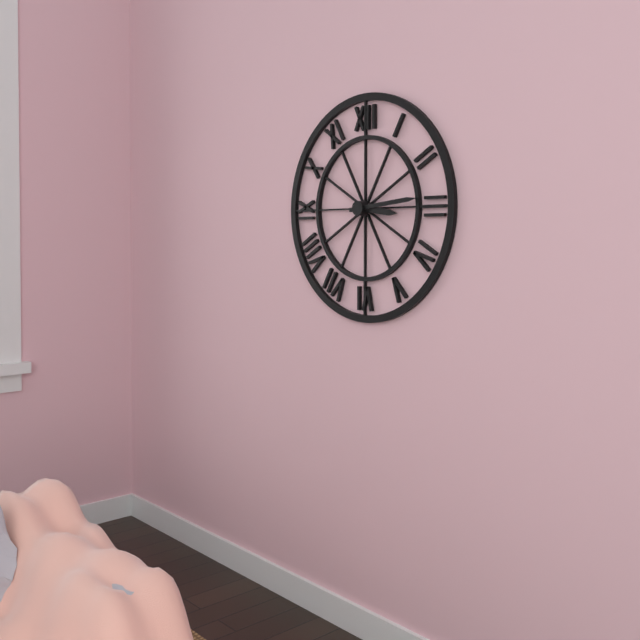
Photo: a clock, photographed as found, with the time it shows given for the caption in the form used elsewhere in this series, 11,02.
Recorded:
3,14
